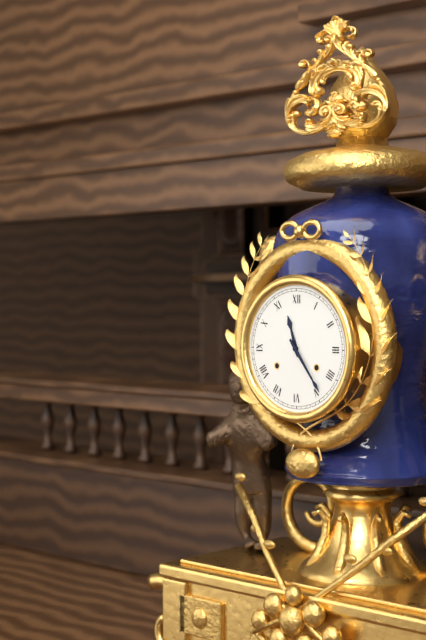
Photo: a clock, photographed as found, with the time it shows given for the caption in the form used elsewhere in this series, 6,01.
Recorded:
11,24
